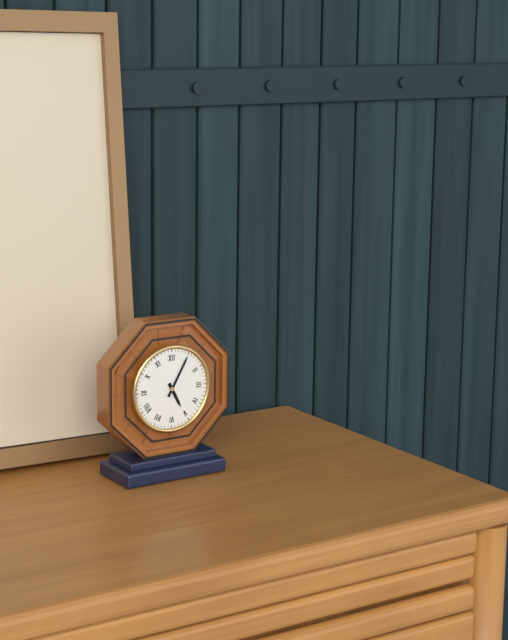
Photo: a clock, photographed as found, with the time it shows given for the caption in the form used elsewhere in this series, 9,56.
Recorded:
5,05
